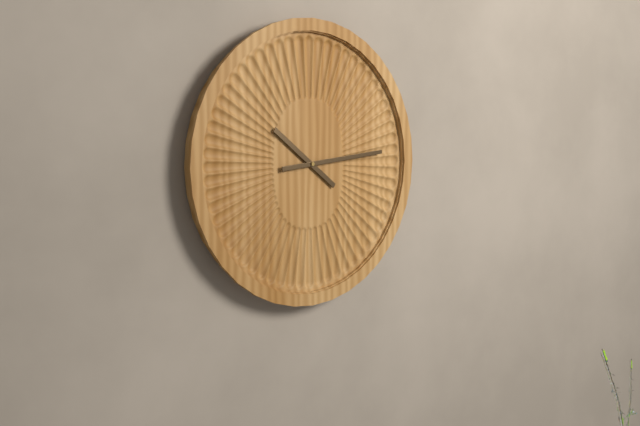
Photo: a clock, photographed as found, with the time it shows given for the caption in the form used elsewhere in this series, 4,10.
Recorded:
10,14
